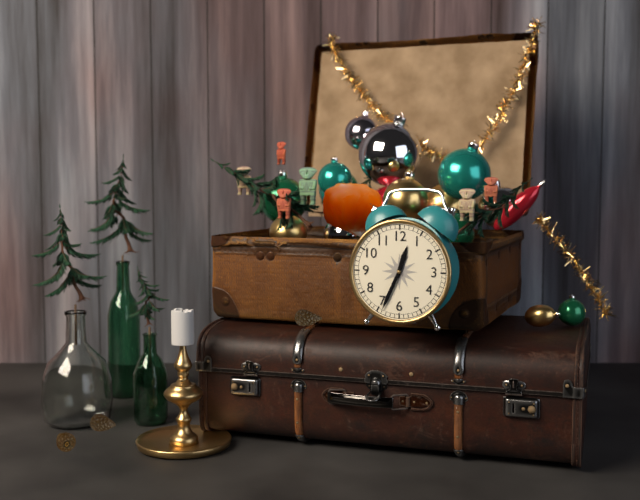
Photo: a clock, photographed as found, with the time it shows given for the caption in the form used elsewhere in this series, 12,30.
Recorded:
12,34
